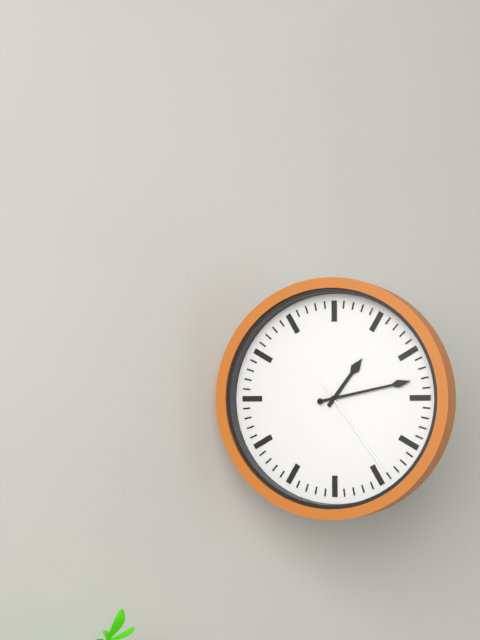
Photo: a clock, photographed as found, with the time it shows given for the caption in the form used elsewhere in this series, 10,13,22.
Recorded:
1,13,24
